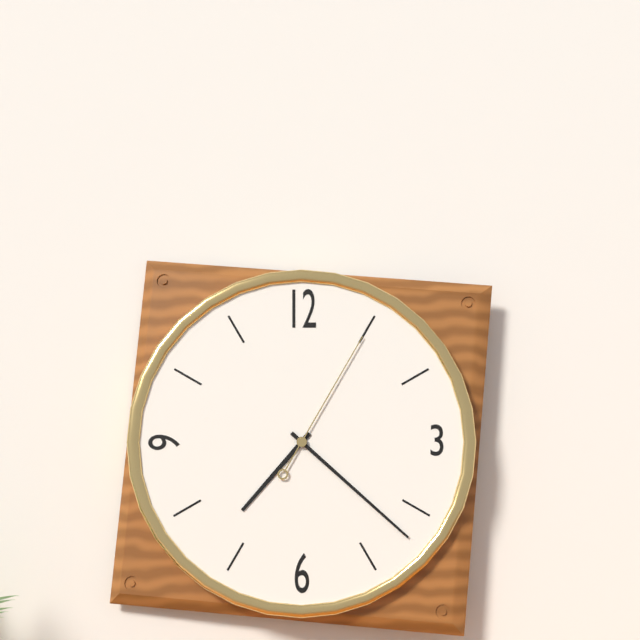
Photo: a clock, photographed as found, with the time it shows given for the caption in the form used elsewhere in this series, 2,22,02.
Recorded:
7,22,05
